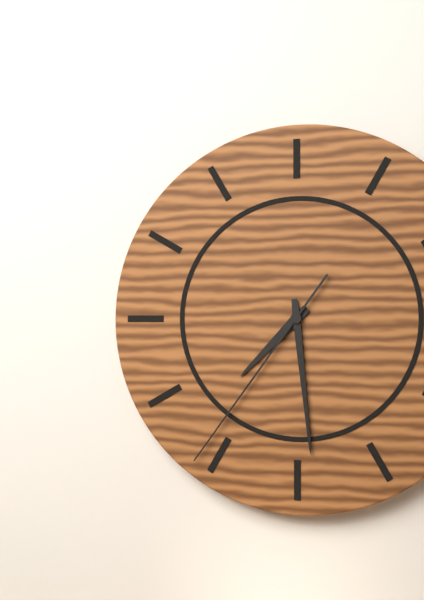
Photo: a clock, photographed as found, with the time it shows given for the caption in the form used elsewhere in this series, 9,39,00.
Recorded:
7,29,36
